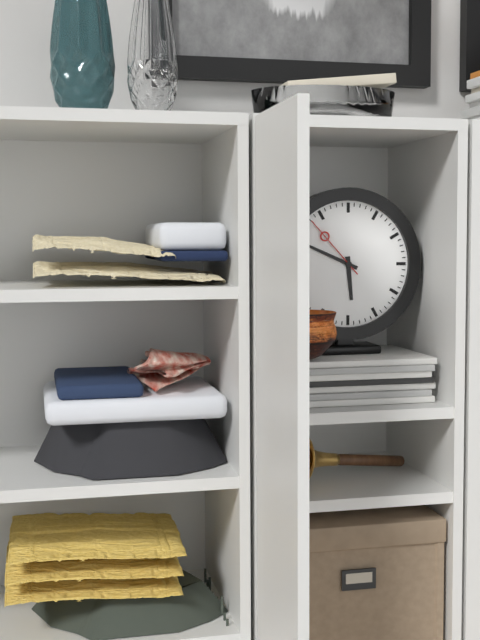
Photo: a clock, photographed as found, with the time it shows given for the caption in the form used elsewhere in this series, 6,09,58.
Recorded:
5,49,53
